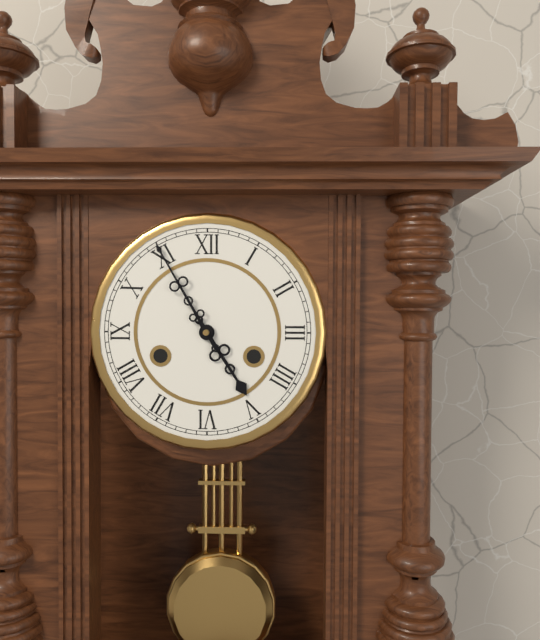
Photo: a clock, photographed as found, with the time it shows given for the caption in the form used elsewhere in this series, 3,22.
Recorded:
4,55
